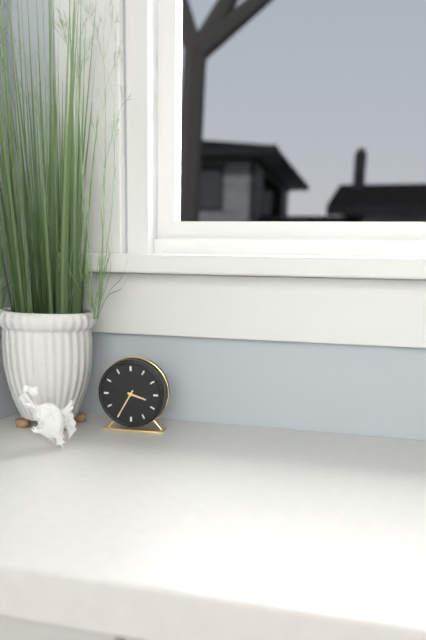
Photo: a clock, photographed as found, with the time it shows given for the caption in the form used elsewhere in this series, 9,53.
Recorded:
3,35
